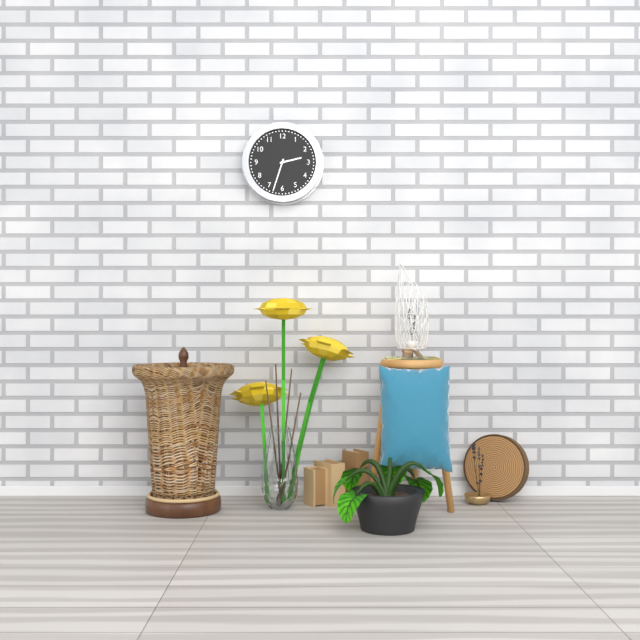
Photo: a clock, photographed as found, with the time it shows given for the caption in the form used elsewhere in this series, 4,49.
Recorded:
2,33
